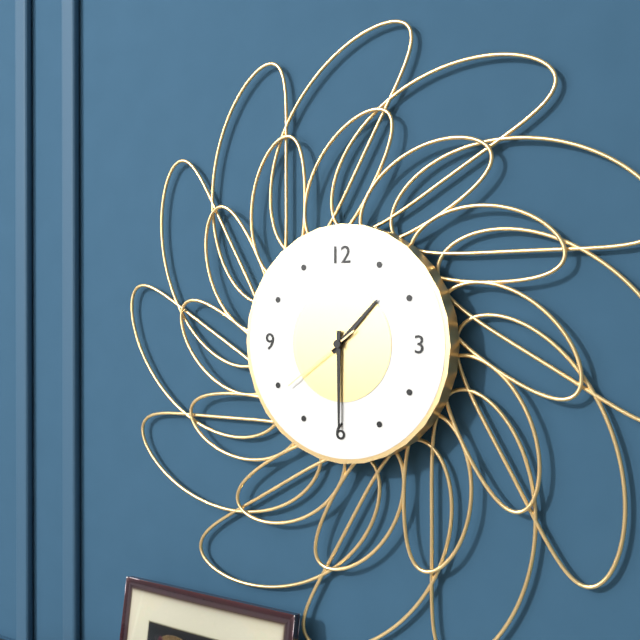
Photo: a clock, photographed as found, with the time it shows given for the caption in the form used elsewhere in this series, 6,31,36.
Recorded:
1,30,39
